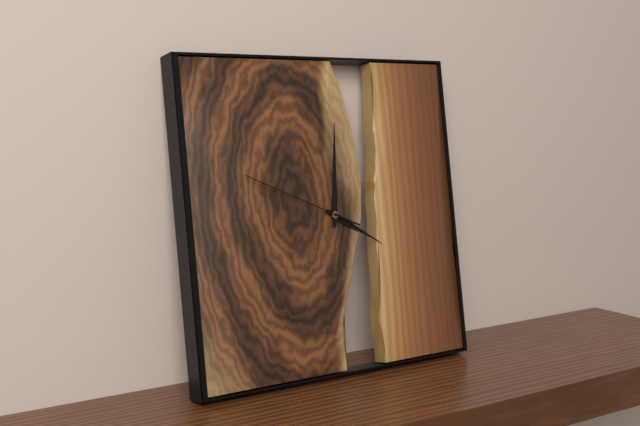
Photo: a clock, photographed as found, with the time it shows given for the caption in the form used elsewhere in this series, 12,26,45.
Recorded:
4,01,49
